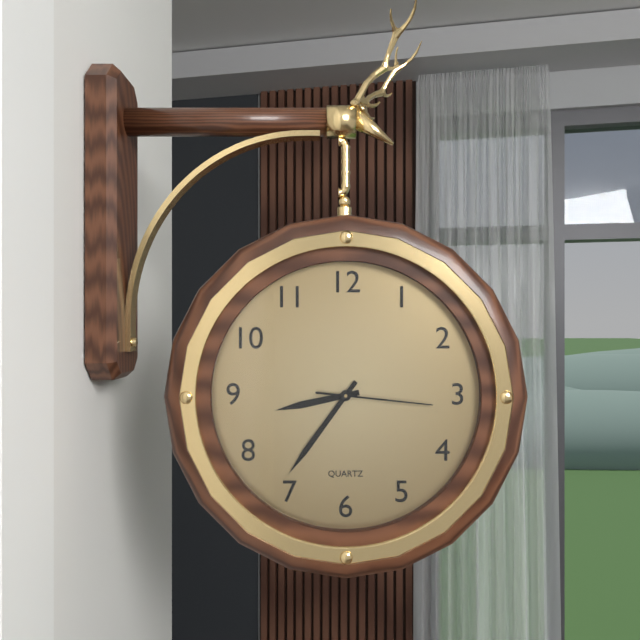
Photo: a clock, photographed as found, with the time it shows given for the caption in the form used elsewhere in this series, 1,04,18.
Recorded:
8,36,16
